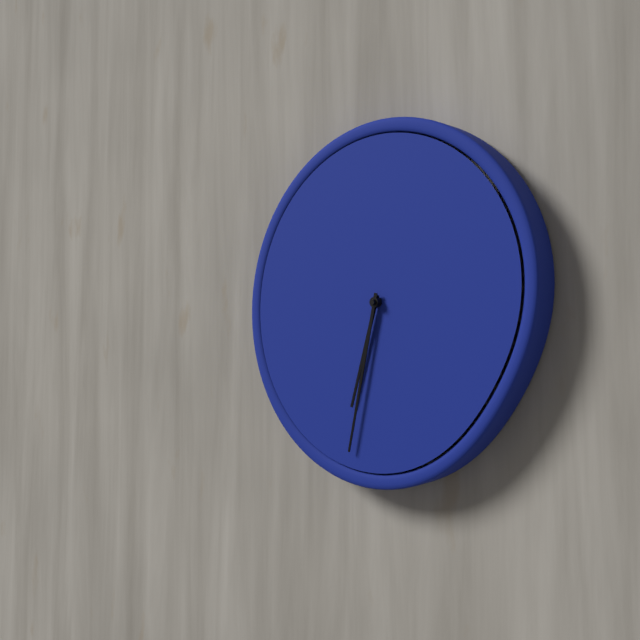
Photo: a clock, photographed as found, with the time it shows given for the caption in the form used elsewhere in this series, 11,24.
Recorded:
6,32
